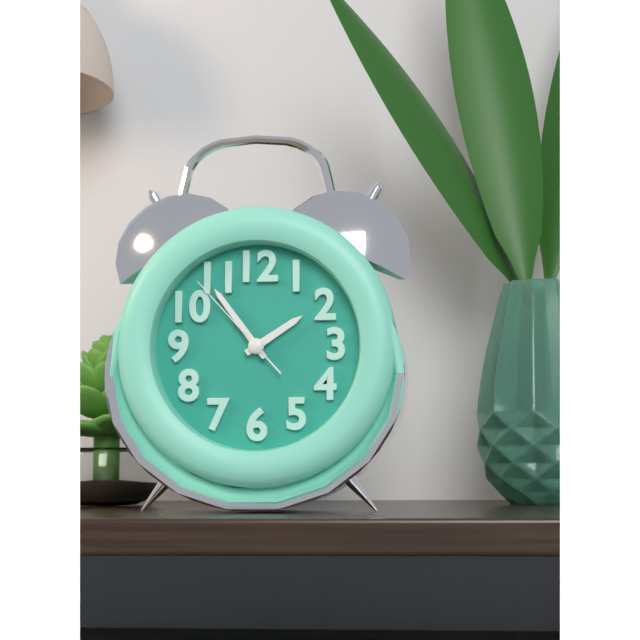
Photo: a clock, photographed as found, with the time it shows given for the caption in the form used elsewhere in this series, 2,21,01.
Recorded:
1,54,53
